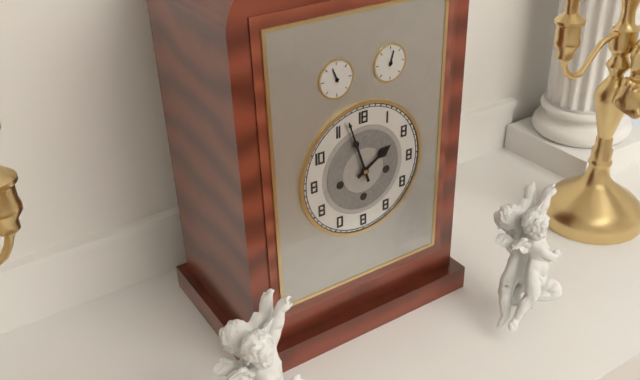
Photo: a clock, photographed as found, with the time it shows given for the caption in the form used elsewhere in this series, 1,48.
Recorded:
1,57
